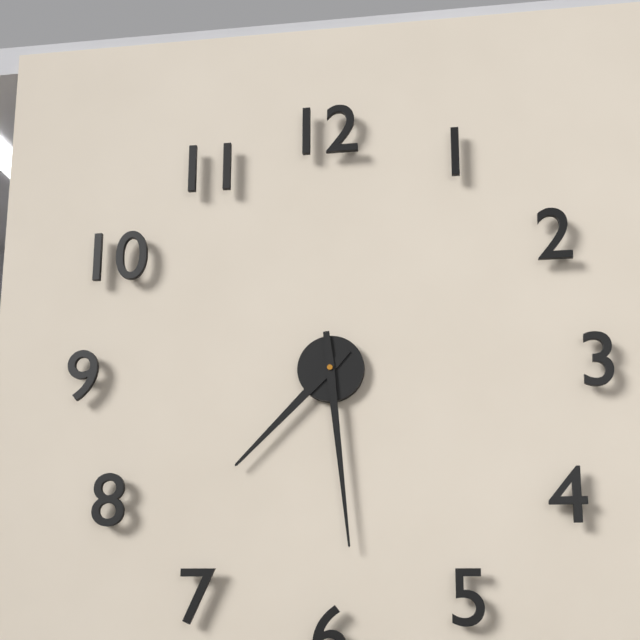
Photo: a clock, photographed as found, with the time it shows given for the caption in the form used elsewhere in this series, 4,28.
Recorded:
7,29
